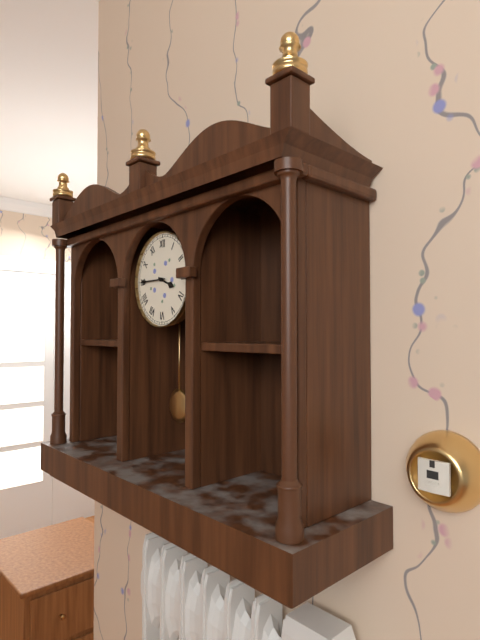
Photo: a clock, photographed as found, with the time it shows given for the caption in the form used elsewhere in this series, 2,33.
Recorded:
3,45
